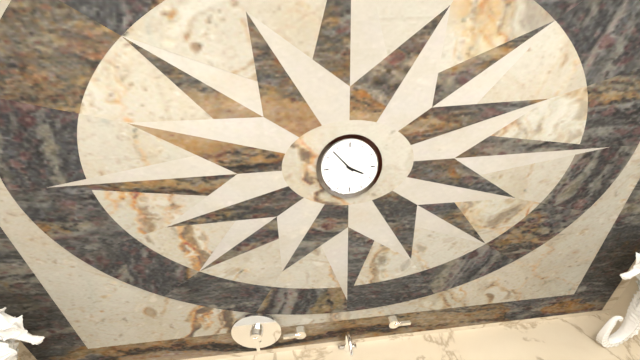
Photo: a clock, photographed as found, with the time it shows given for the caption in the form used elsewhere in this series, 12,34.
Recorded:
3,53
